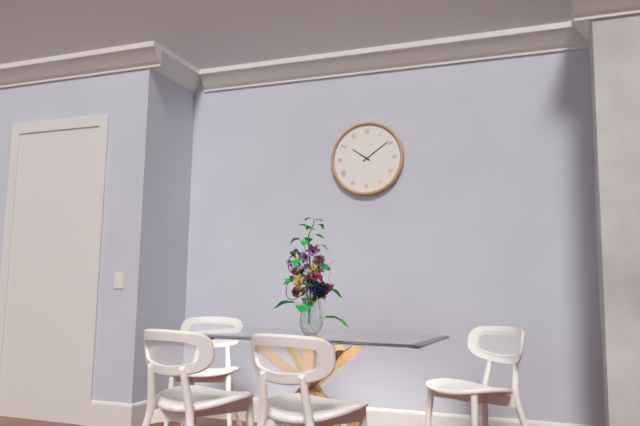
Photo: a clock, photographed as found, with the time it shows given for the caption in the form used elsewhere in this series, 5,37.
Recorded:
10,09
